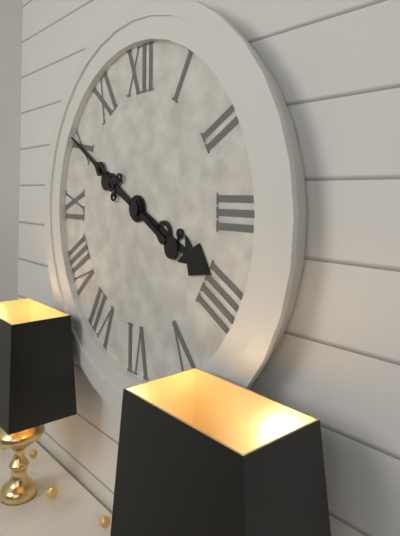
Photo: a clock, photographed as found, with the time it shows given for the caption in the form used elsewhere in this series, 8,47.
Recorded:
3,50
